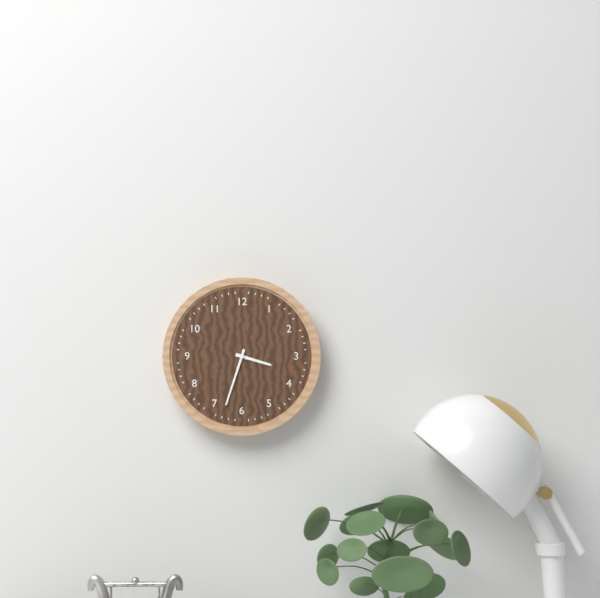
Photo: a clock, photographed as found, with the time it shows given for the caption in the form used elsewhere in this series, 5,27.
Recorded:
3,33
